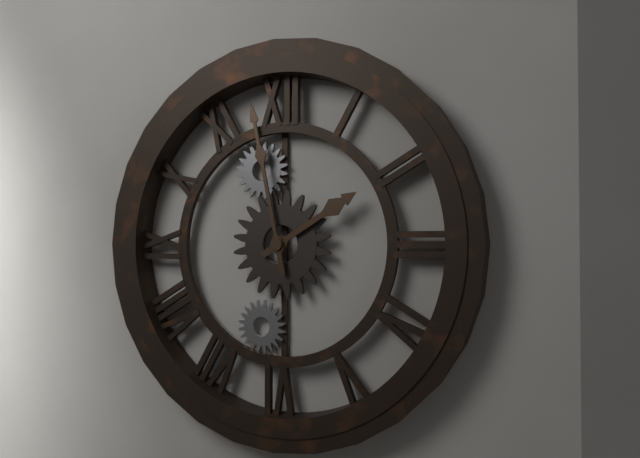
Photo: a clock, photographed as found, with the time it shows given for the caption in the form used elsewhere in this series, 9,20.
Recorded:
1,58
